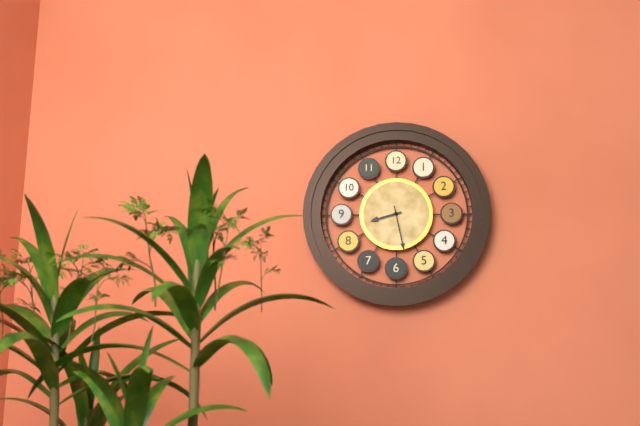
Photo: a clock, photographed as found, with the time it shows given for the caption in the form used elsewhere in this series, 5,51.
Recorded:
8,28
